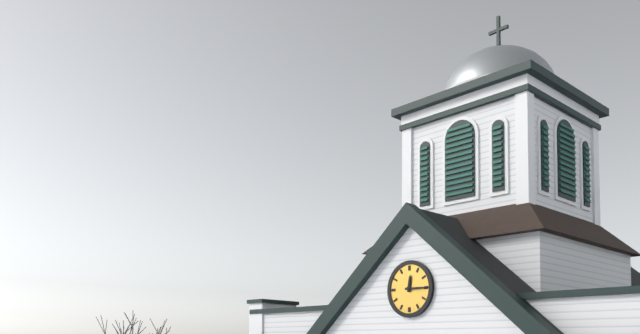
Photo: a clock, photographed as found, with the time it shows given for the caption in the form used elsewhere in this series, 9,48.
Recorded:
12,15
